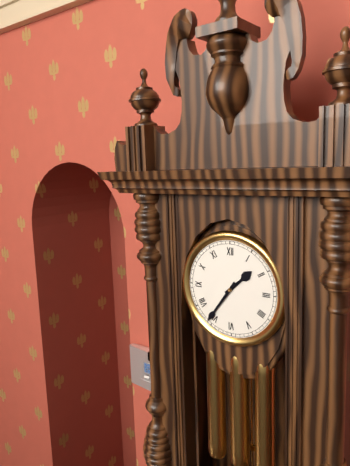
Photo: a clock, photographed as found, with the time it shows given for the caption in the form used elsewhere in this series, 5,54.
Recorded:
1,36
